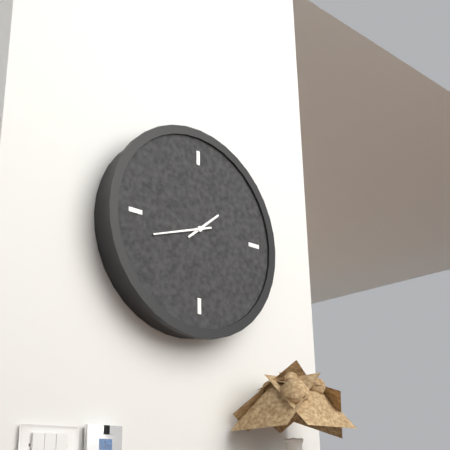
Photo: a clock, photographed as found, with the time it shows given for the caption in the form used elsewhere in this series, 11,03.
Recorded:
1,42
